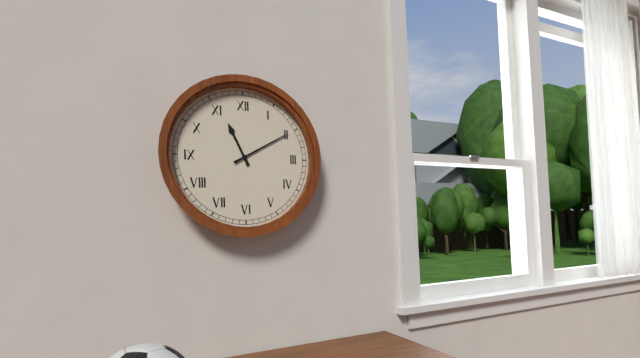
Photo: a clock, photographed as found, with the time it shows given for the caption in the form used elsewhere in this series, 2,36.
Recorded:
11,10
